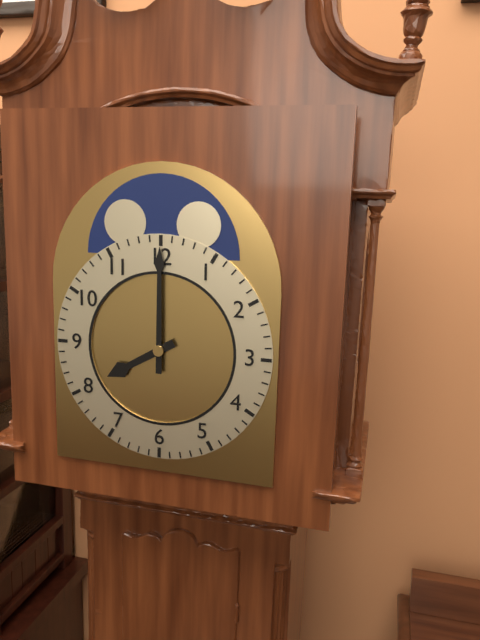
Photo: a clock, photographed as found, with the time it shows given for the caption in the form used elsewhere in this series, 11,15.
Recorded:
8,00
